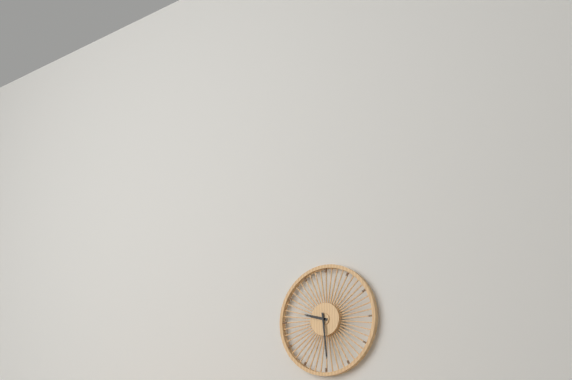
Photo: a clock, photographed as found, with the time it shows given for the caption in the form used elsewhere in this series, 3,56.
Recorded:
9,29
